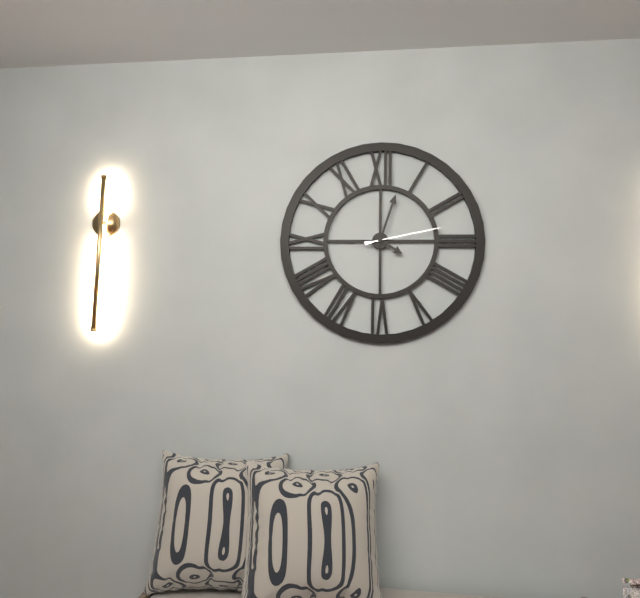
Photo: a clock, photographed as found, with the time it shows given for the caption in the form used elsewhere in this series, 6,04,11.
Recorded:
4,03,13
